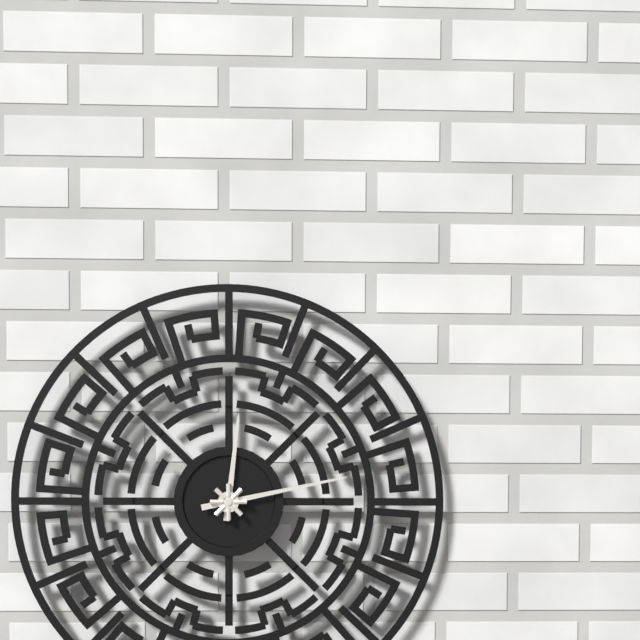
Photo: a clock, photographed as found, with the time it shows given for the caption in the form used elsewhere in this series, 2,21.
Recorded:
12,13
